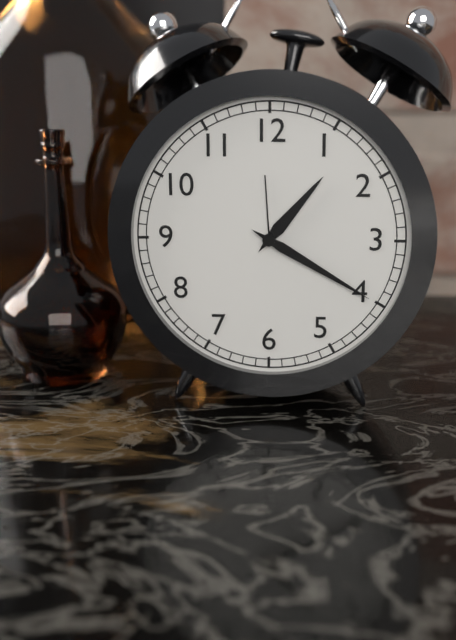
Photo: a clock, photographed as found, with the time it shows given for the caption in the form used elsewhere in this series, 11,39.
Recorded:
1,20
